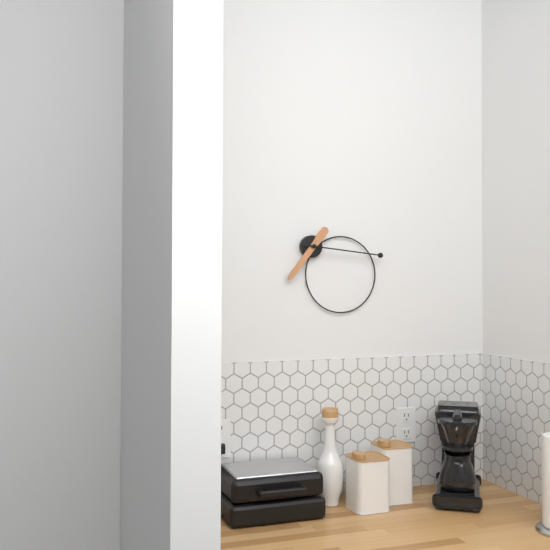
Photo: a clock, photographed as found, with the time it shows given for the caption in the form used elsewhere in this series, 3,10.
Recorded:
7,16
